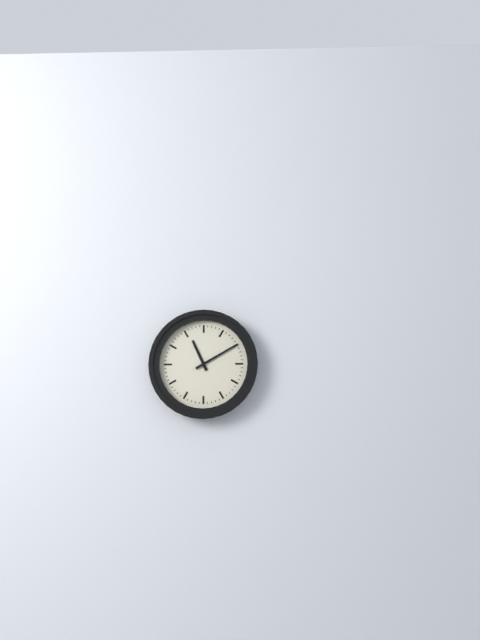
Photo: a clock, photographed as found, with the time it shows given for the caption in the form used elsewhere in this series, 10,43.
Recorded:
11,10
